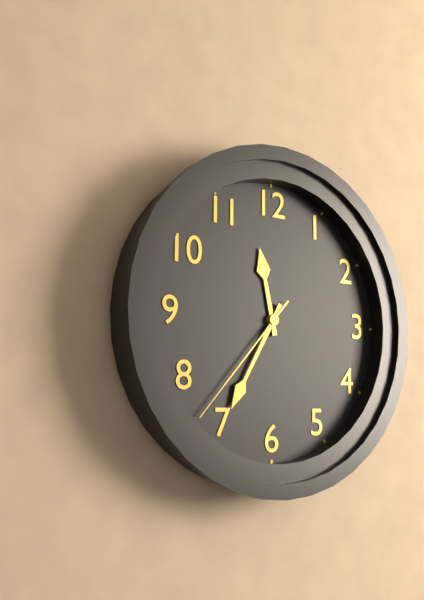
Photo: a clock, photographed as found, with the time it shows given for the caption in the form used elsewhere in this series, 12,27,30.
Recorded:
11,35,37
